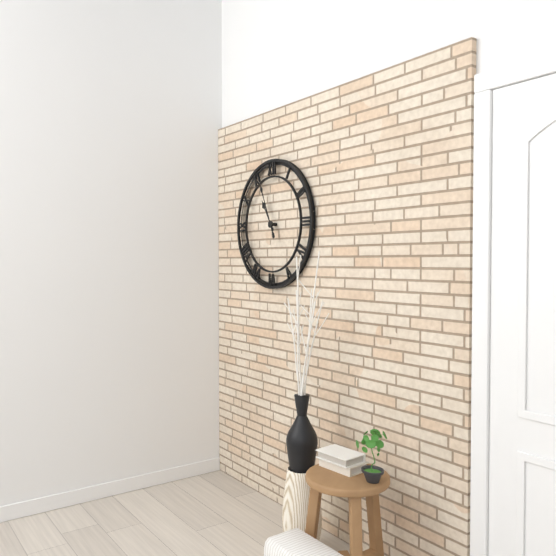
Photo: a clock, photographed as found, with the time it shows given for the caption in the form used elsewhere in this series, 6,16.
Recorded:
10,56
